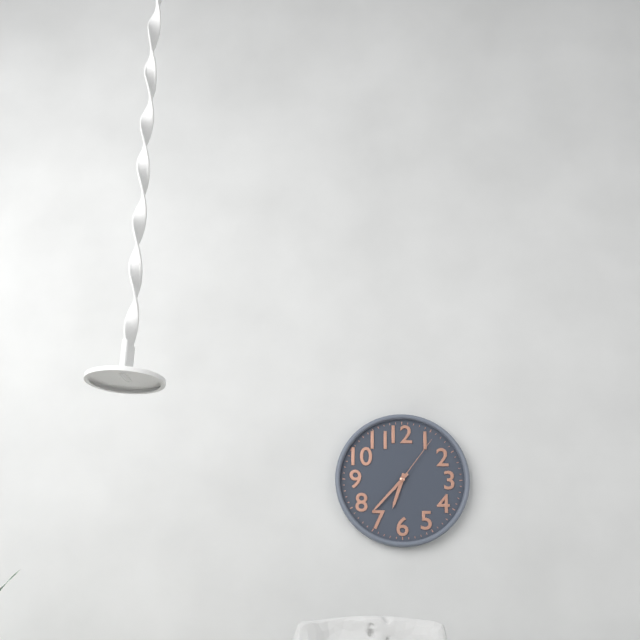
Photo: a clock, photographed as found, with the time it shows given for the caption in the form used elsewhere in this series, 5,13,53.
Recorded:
6,37,06
